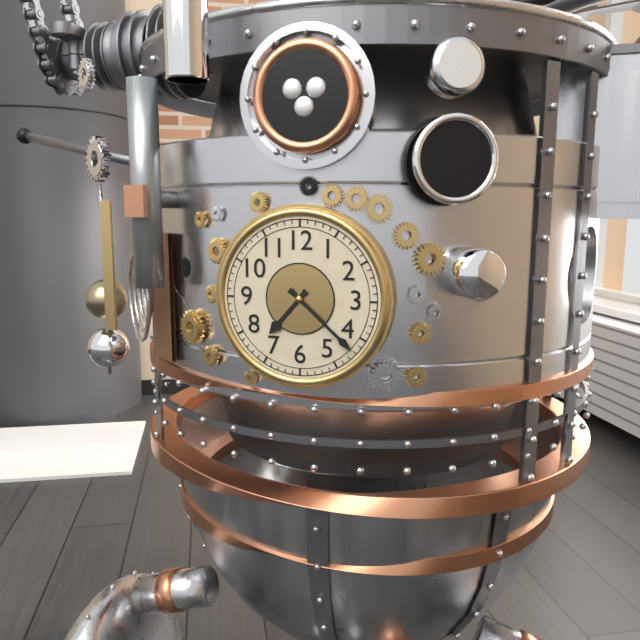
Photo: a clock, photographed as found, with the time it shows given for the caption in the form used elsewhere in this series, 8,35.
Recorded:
7,22
